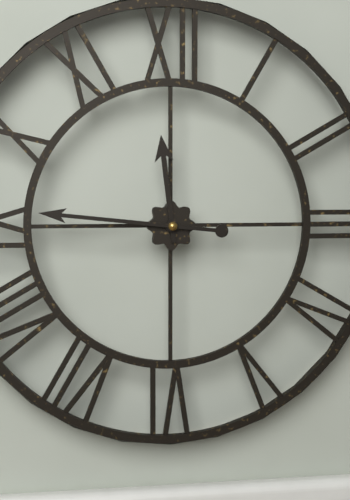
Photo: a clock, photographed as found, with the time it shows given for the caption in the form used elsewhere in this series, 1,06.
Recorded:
11,46
